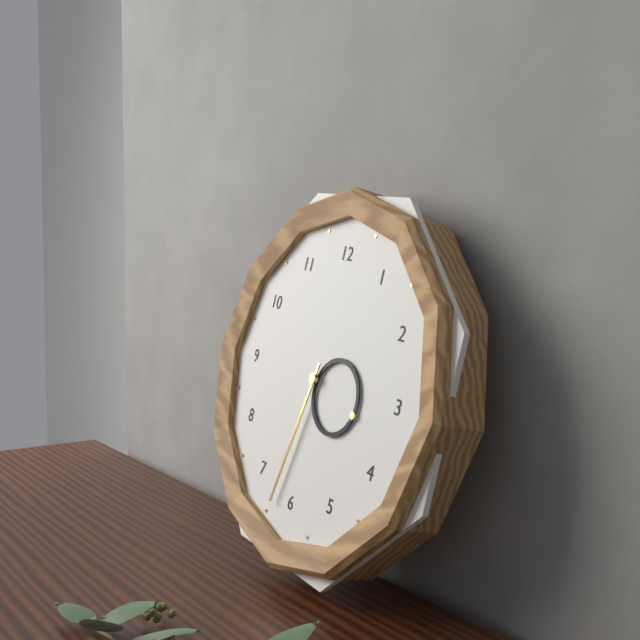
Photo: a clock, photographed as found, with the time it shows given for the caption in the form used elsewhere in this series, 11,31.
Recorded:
3,32
